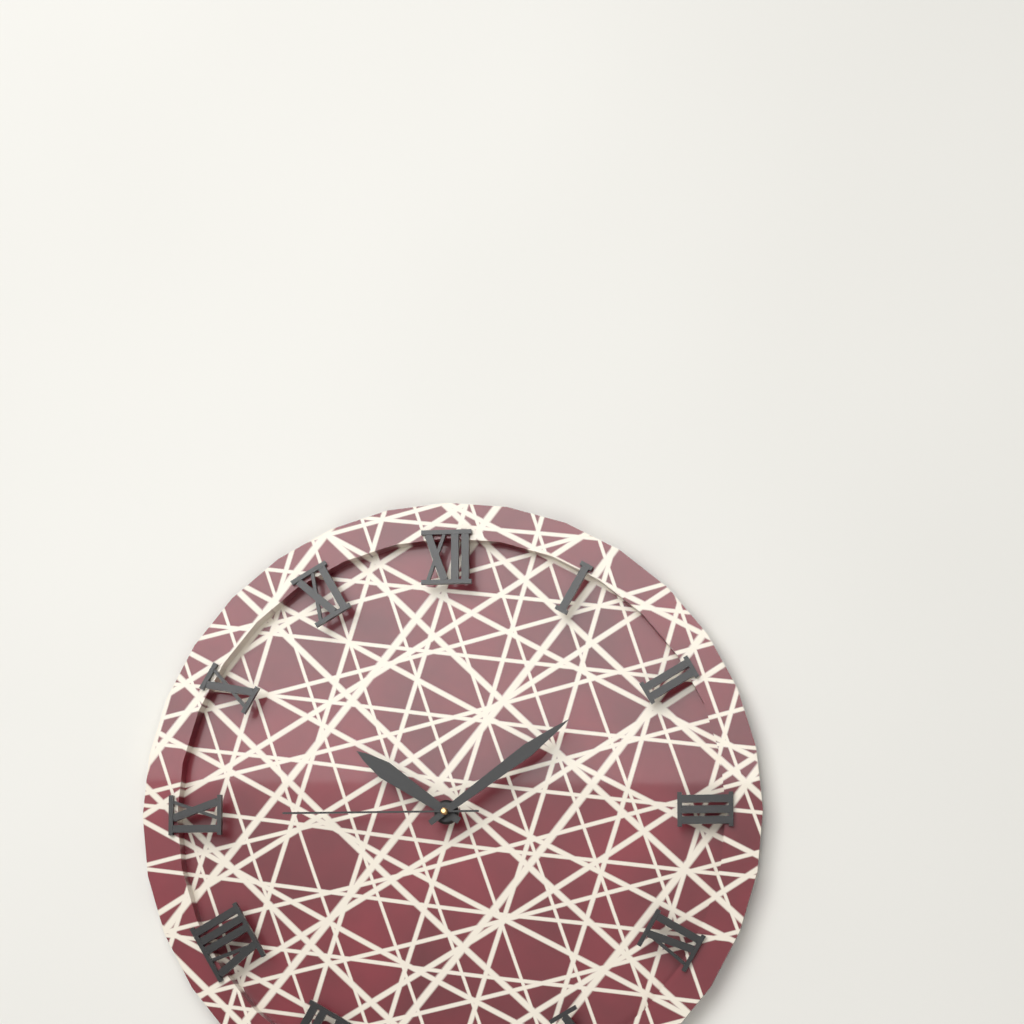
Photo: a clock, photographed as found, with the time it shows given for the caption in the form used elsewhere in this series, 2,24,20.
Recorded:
10,09,45
